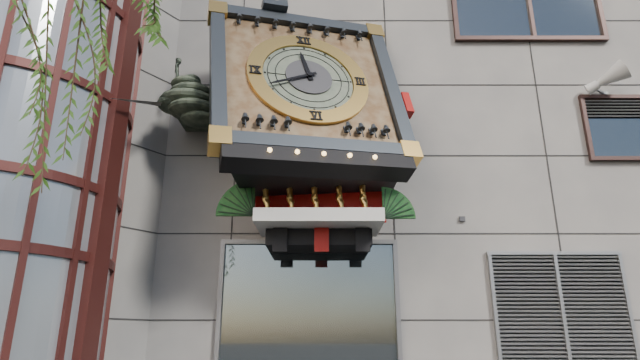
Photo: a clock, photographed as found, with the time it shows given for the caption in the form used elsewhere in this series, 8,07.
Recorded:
11,41
